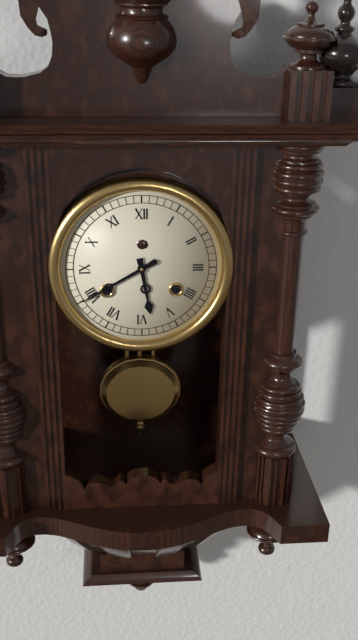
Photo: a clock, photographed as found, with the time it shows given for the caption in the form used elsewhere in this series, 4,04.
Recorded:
5,40
